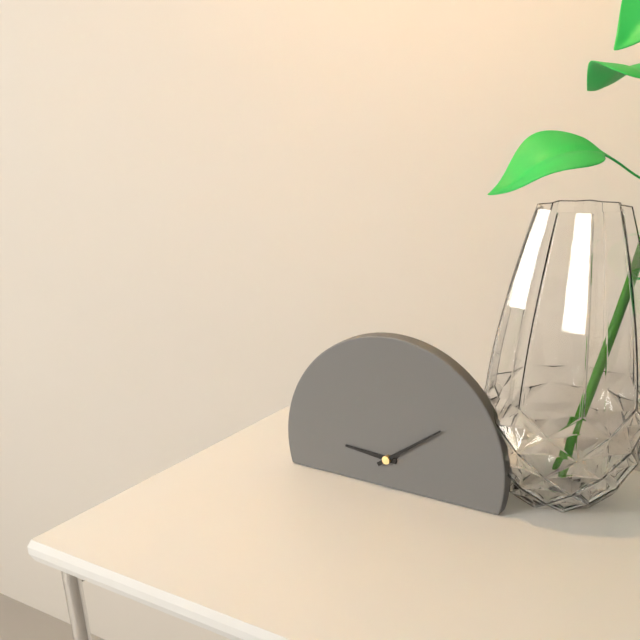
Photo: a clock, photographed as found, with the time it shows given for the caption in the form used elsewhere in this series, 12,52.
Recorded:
9,09
